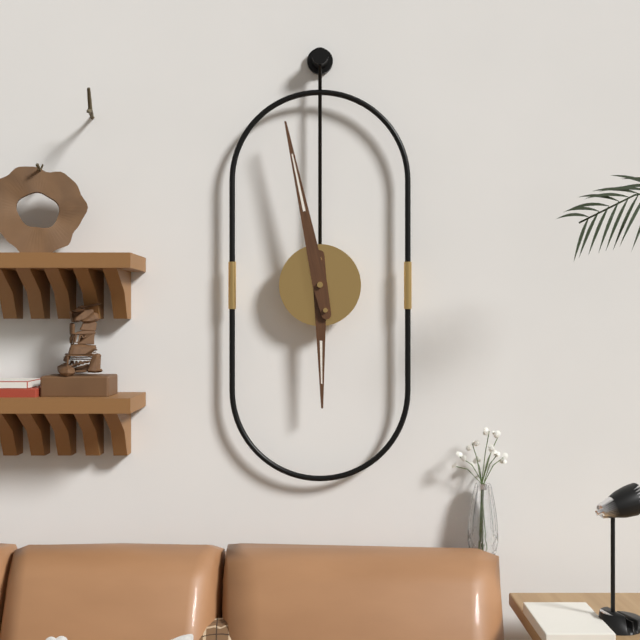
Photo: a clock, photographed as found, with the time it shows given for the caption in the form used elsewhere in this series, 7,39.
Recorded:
5,58
